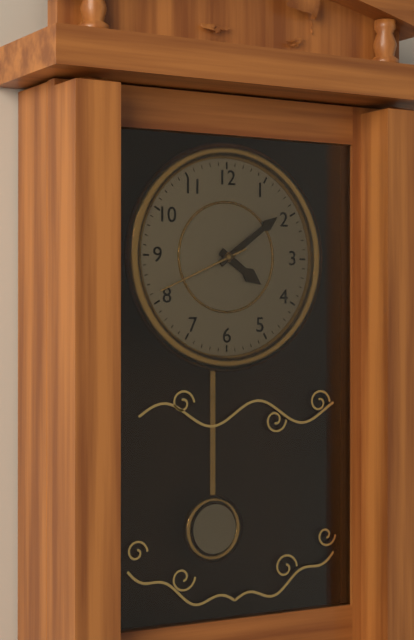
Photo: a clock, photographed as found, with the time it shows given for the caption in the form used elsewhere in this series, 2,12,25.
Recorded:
4,09,41
